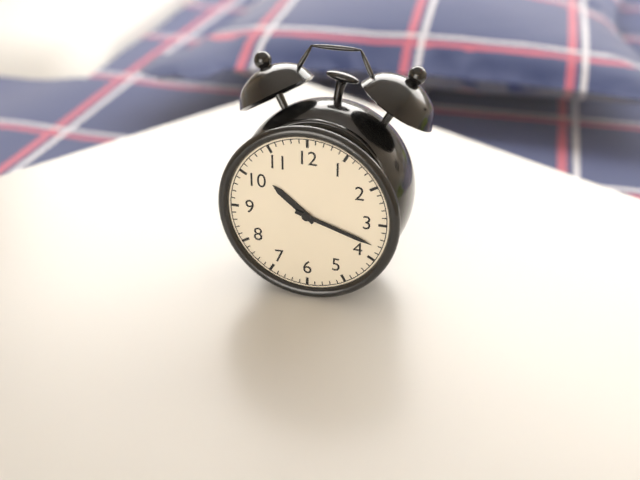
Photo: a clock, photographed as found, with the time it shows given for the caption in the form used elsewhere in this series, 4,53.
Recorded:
10,18
